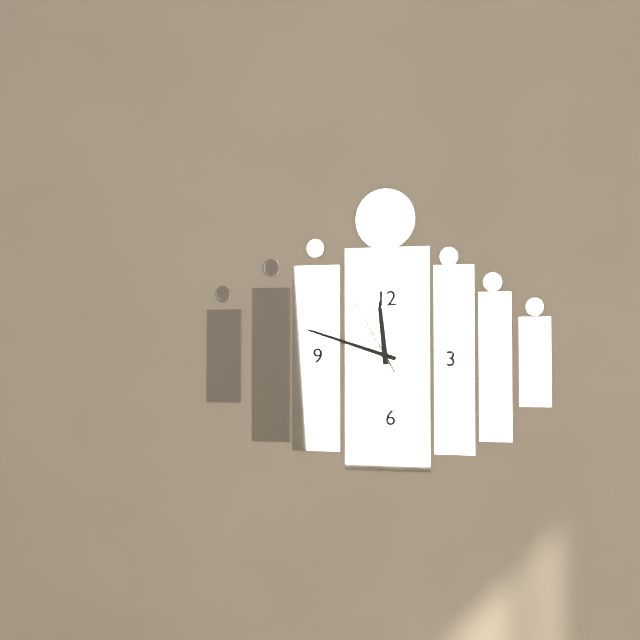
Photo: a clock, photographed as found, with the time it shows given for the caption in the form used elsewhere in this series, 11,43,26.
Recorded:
11,48,55
